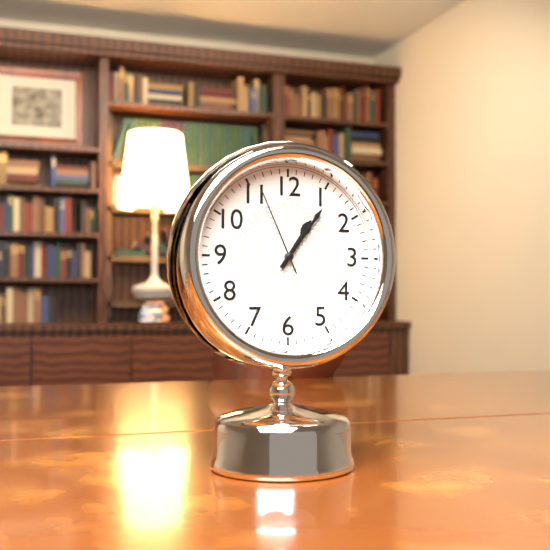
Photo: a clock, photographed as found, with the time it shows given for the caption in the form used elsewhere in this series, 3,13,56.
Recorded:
1,06,56
